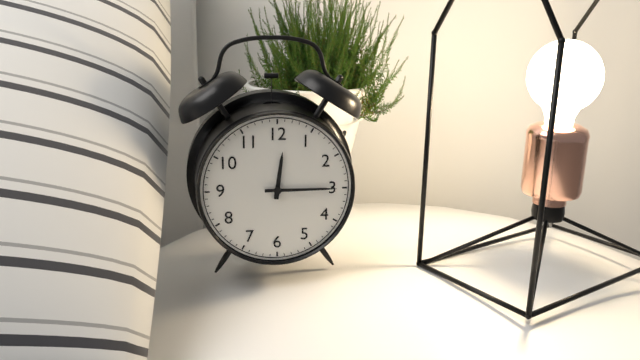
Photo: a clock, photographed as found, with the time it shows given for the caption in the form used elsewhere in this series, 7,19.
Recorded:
12,15
